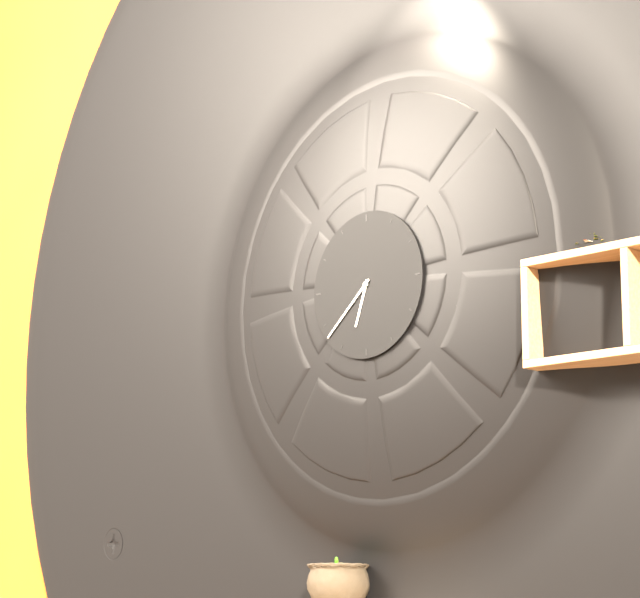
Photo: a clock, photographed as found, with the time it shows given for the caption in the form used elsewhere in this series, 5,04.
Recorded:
6,38
